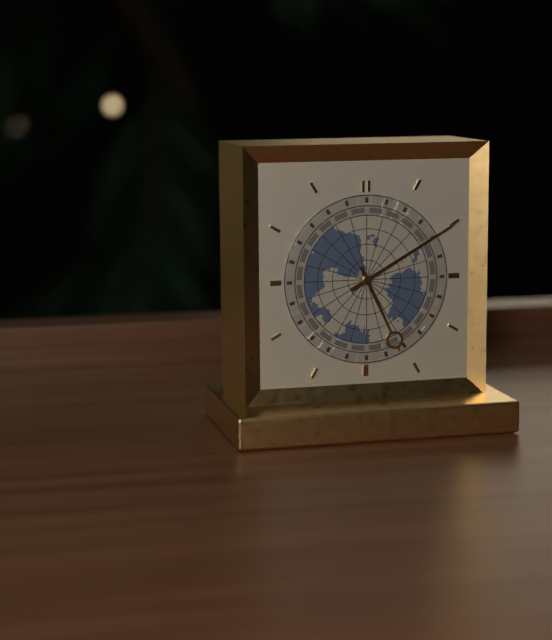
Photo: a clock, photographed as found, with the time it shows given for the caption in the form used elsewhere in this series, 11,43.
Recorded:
5,10
